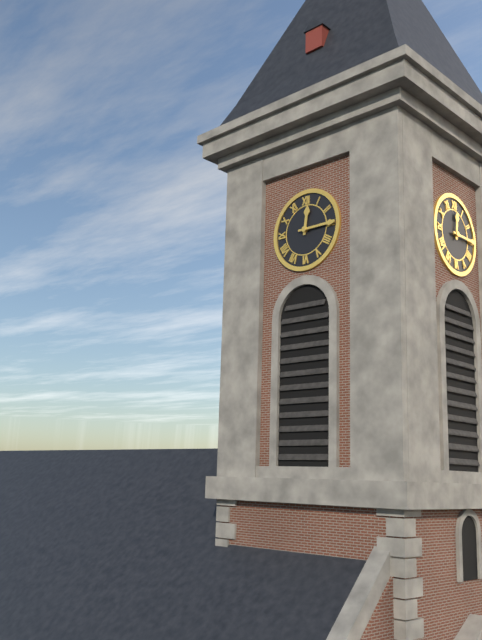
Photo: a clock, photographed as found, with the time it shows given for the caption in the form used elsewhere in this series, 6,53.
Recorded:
12,15
